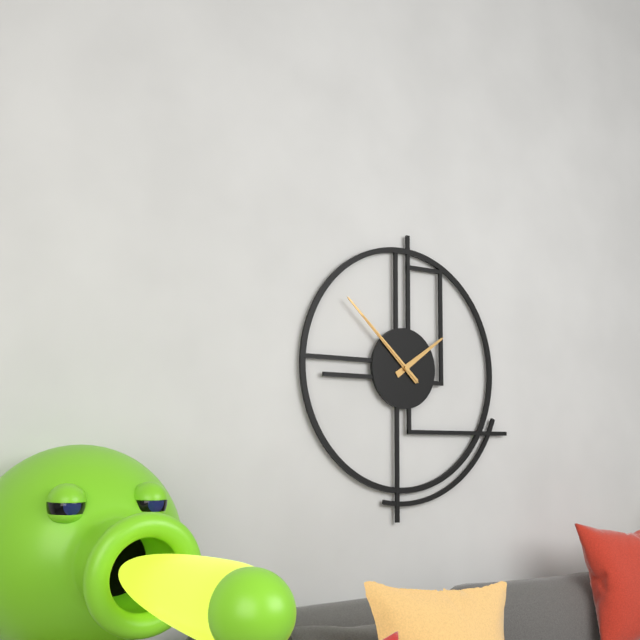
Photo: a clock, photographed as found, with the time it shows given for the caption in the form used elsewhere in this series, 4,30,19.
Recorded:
1,52,52
